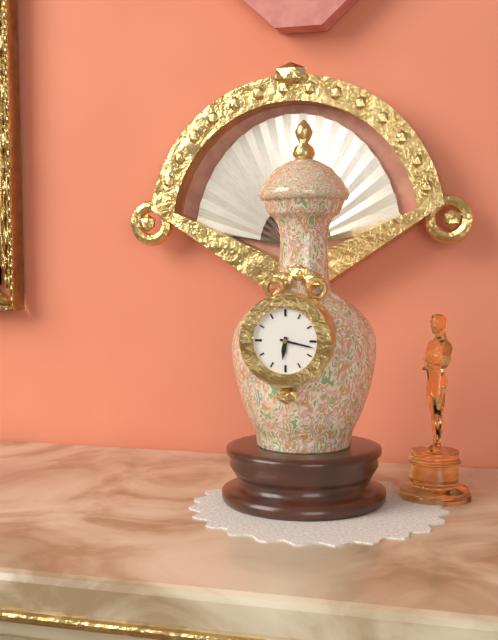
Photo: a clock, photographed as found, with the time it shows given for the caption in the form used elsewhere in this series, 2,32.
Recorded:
6,17
